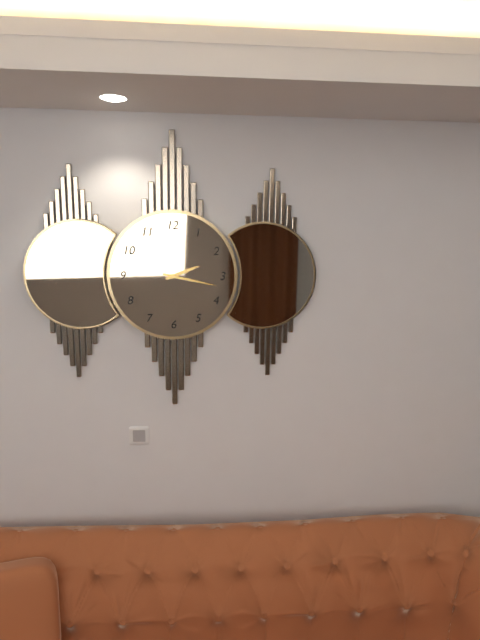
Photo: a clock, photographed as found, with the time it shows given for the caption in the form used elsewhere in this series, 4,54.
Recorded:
2,17
